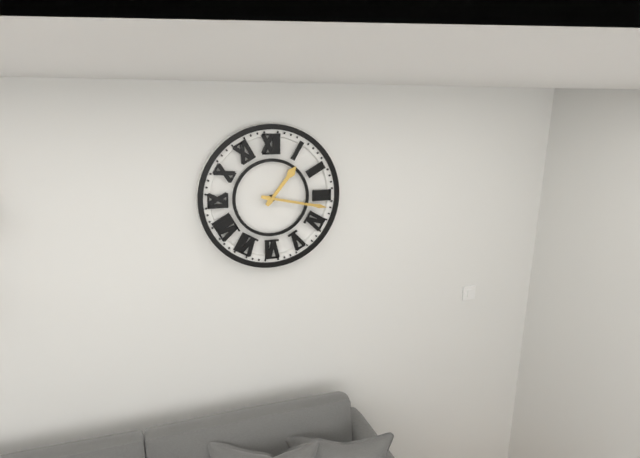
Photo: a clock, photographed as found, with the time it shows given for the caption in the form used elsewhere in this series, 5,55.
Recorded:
1,17
